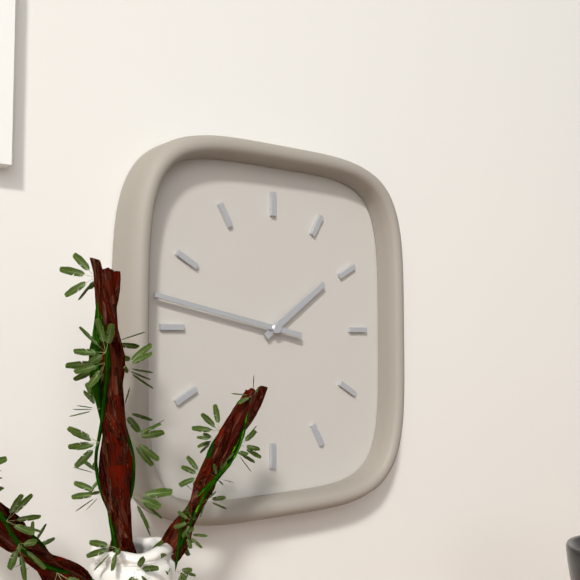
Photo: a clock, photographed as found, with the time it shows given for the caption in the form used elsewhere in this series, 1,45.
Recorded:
1,47
